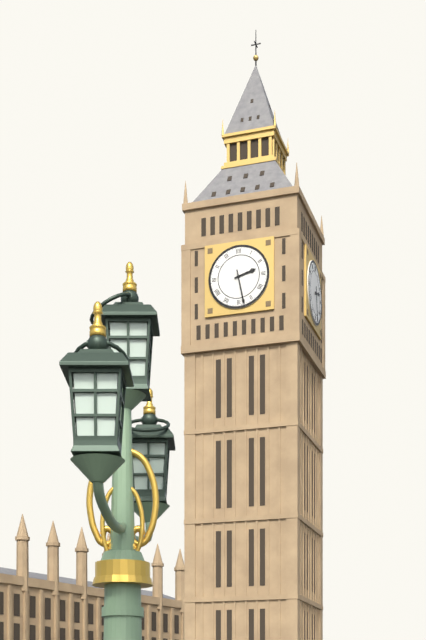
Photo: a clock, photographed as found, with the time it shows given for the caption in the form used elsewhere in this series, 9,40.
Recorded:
2,28
